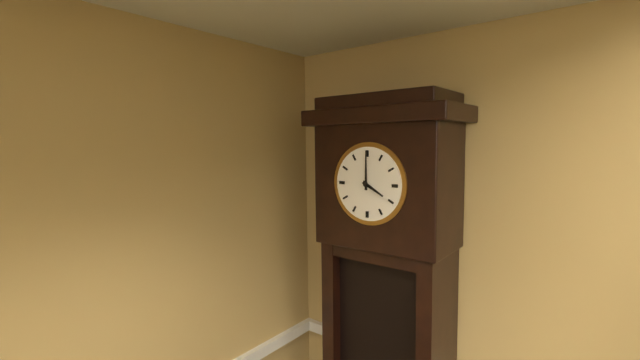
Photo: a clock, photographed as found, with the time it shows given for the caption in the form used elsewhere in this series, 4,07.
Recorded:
4,00
